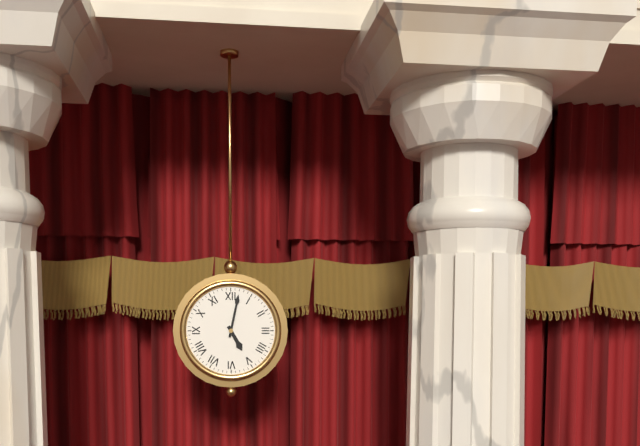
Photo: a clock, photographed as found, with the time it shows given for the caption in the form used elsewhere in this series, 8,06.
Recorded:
5,02
